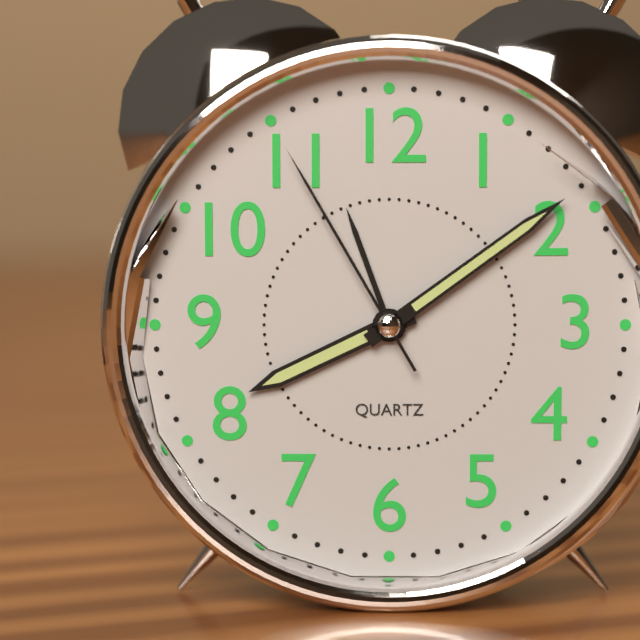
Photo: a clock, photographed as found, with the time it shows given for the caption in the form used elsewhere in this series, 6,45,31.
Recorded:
8,09,55
